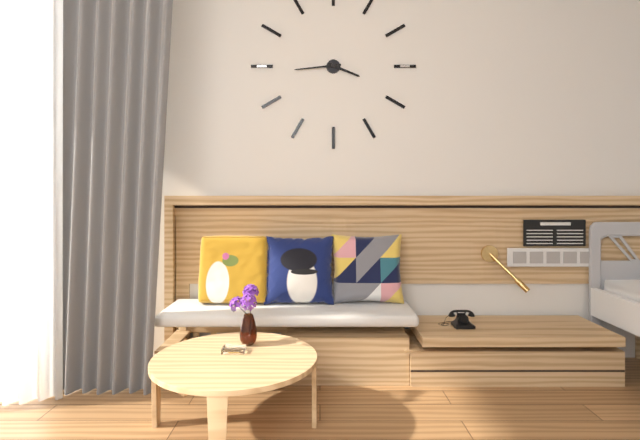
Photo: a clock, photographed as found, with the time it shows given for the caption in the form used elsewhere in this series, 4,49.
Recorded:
3,44
